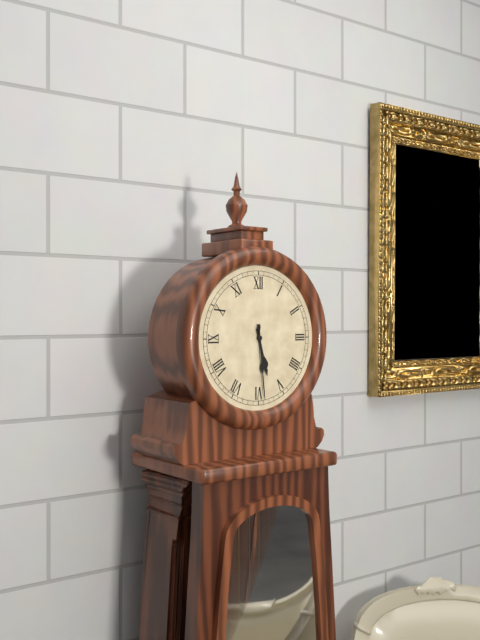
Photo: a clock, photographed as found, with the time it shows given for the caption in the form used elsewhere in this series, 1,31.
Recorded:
5,29
